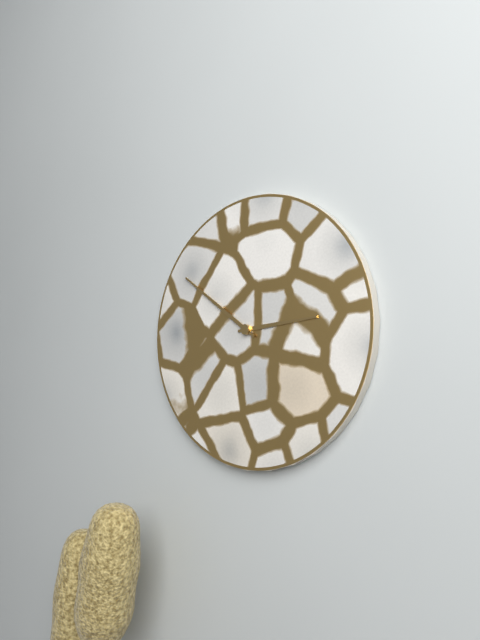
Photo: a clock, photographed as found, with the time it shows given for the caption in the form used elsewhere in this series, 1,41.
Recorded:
2,51
